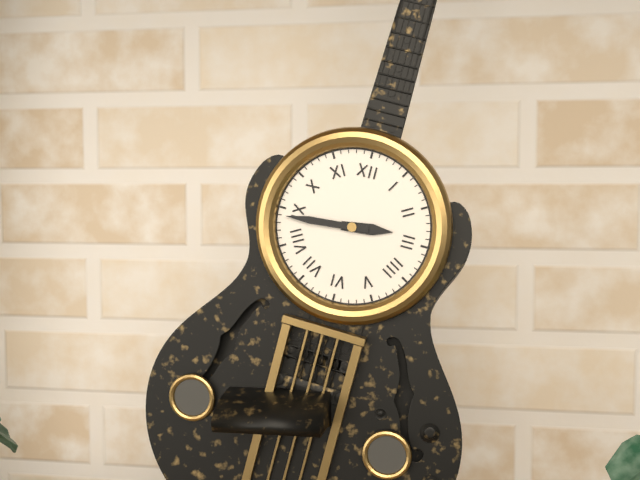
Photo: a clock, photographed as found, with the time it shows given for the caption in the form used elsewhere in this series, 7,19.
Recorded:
2,44
